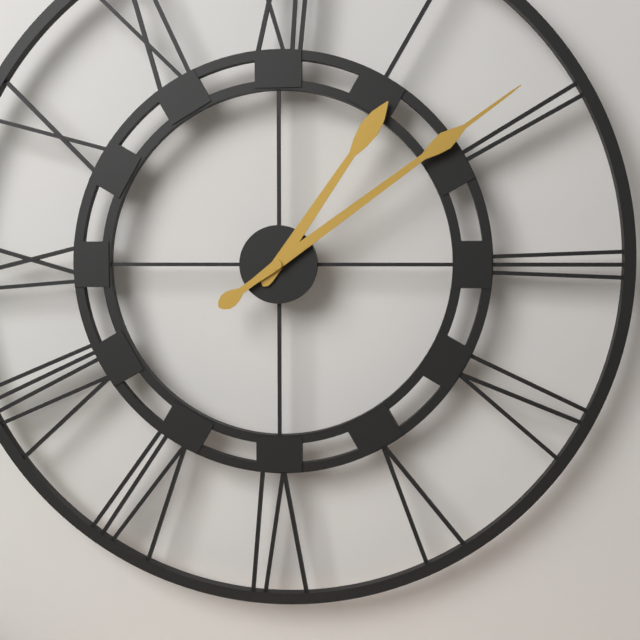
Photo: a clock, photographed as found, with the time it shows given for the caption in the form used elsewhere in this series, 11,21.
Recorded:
1,09
